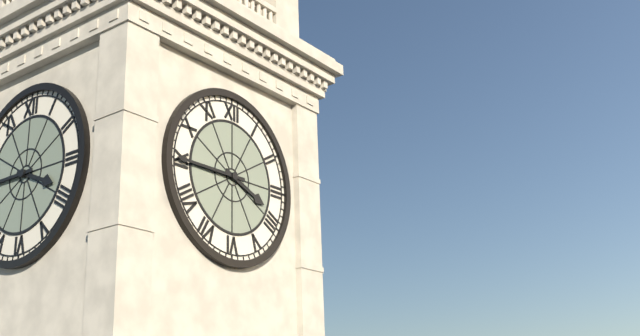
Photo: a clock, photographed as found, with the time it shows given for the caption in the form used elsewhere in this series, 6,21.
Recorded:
3,45
